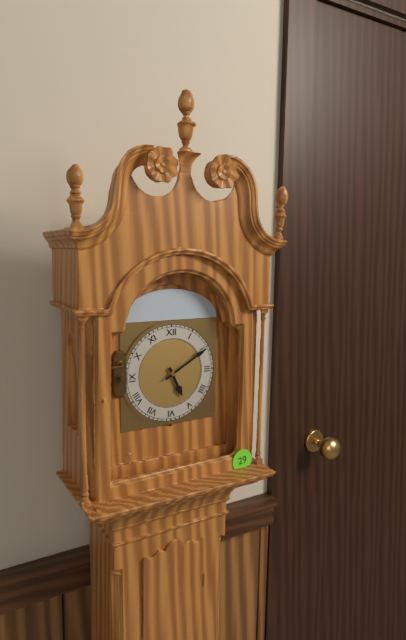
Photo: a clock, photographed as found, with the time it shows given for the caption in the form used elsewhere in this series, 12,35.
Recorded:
5,10
